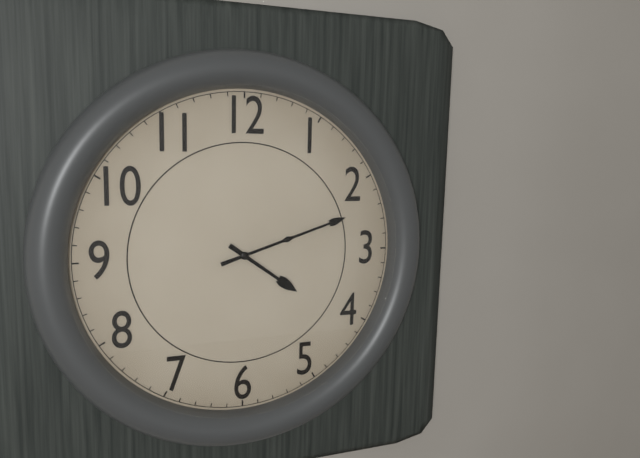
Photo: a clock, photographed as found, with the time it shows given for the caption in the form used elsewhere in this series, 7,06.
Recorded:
4,12
